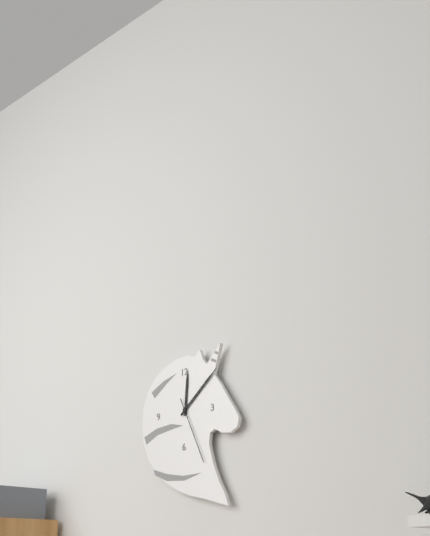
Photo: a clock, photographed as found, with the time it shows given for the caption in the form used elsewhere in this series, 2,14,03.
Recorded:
12,08,26
